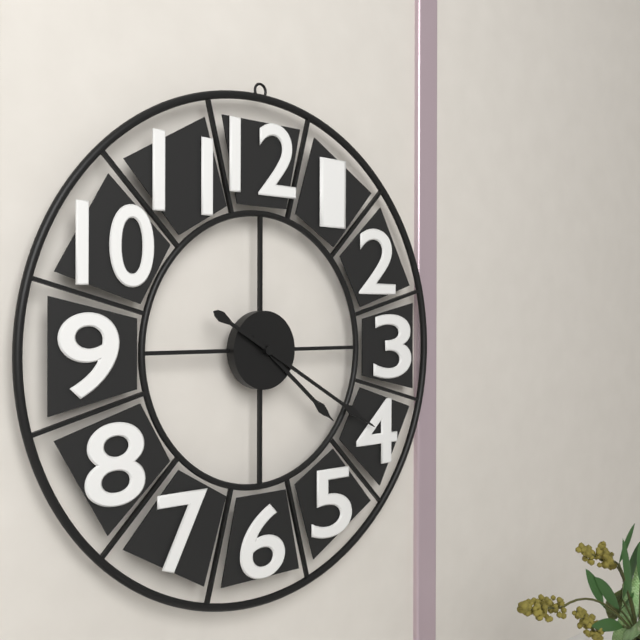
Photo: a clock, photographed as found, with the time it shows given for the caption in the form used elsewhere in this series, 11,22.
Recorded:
4,20
